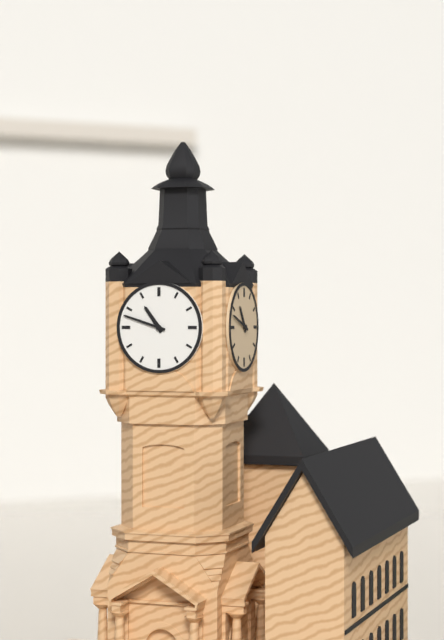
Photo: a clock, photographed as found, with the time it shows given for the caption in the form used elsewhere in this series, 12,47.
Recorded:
10,48
